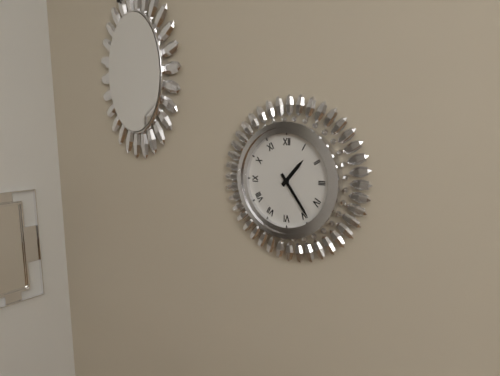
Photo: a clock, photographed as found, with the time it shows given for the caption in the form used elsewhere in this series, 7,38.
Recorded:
1,24
